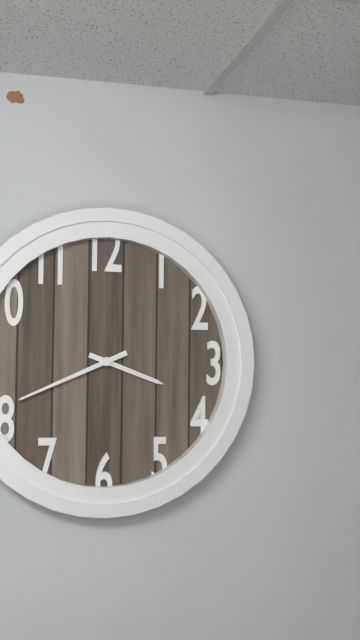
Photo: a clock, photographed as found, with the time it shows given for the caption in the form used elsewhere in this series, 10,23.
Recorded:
3,41
